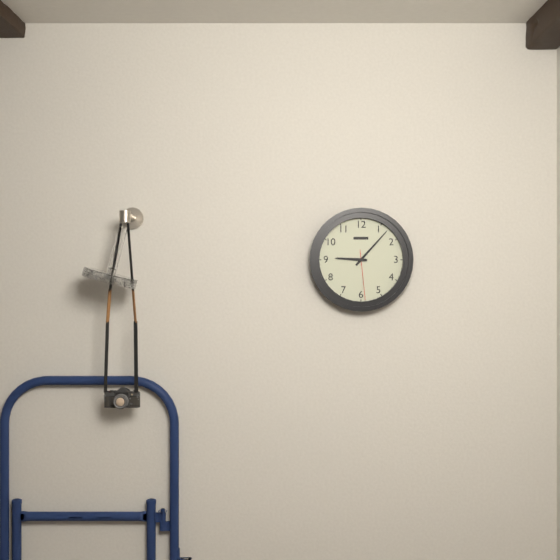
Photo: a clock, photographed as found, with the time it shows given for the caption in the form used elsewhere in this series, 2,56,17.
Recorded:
9,07,29
